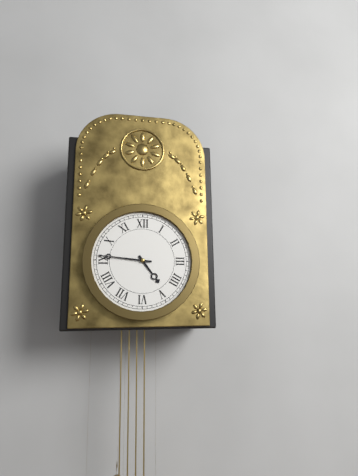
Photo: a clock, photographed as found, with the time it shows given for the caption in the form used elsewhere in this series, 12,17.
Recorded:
4,46
